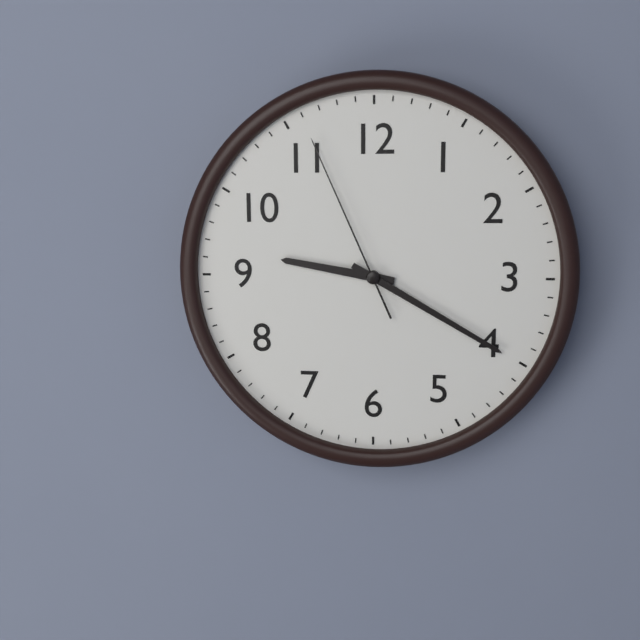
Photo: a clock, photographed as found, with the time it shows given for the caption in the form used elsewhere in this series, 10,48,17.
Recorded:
9,20,56
